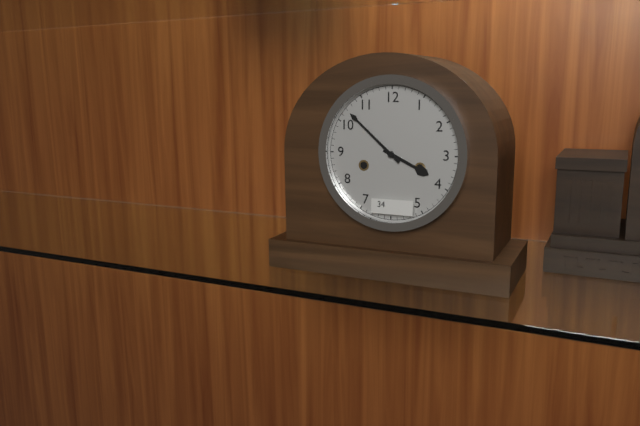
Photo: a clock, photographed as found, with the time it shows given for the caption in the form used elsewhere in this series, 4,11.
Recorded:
3,52
